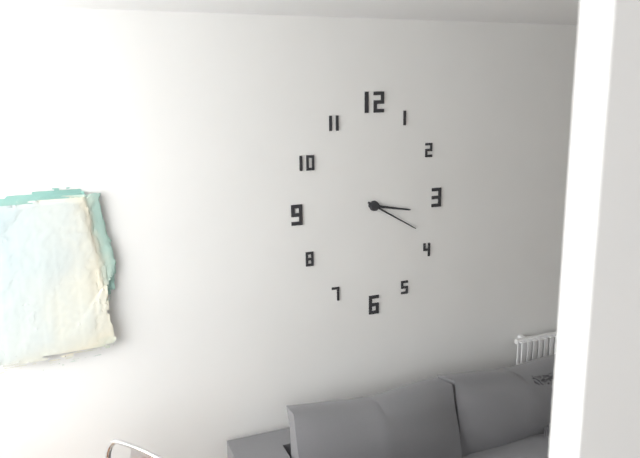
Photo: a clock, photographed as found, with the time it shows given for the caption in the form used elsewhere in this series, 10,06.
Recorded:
3,20
